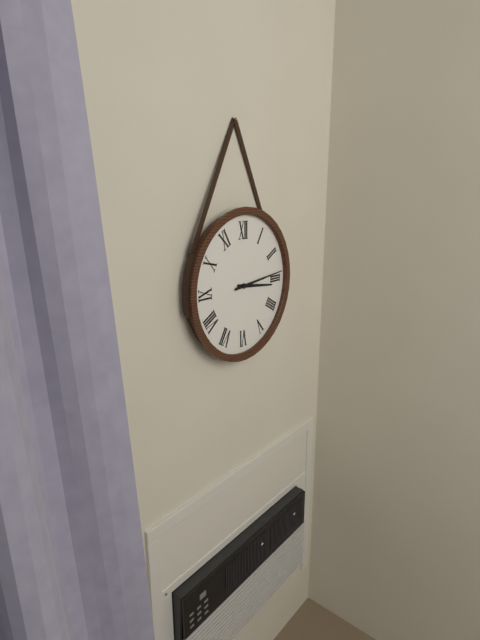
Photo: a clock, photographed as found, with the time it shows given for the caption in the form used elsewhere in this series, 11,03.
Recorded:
3,14
